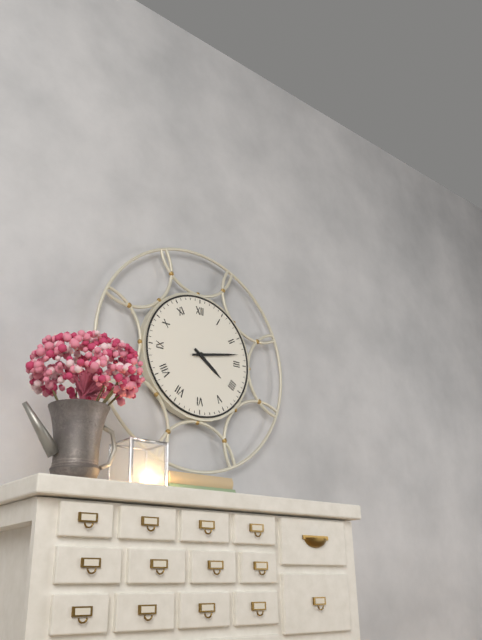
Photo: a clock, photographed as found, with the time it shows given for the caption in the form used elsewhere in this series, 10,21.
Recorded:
4,13
